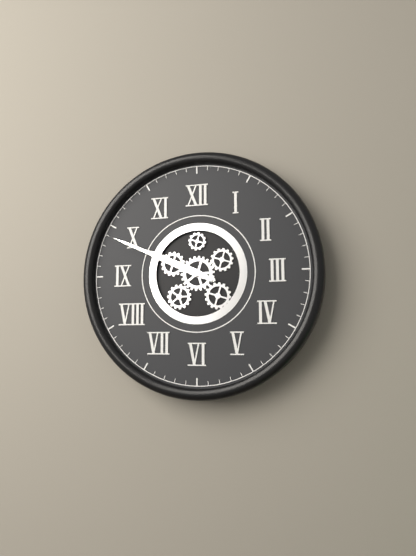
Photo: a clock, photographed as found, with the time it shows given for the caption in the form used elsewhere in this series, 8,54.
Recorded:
9,49
